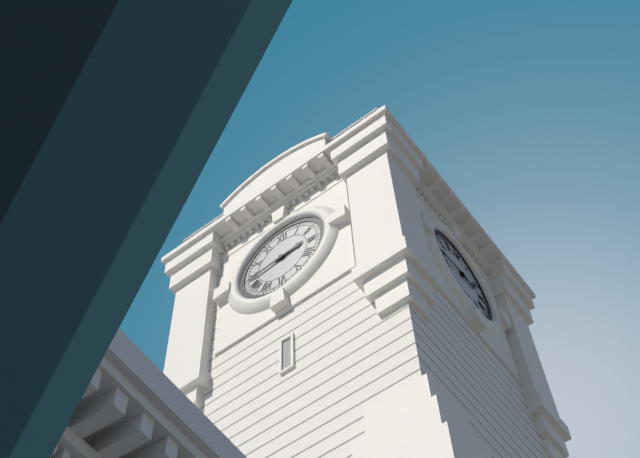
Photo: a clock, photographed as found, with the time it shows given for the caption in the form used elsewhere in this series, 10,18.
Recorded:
2,44
